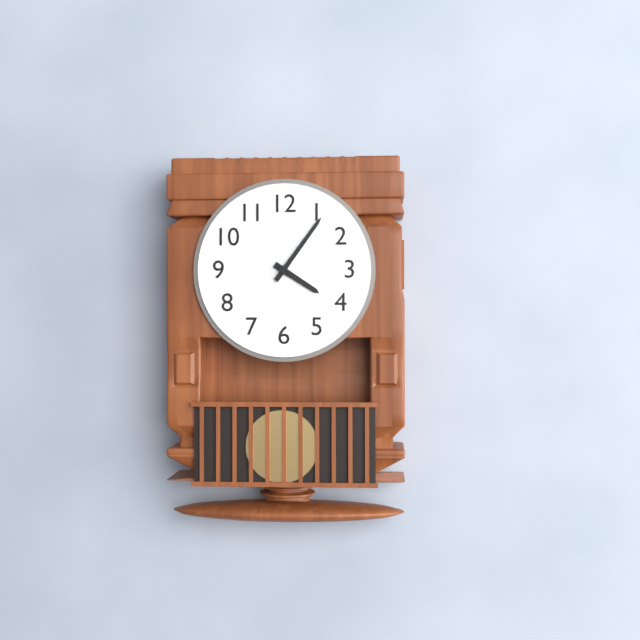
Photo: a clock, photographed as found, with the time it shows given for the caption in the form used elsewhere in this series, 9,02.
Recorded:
4,06
